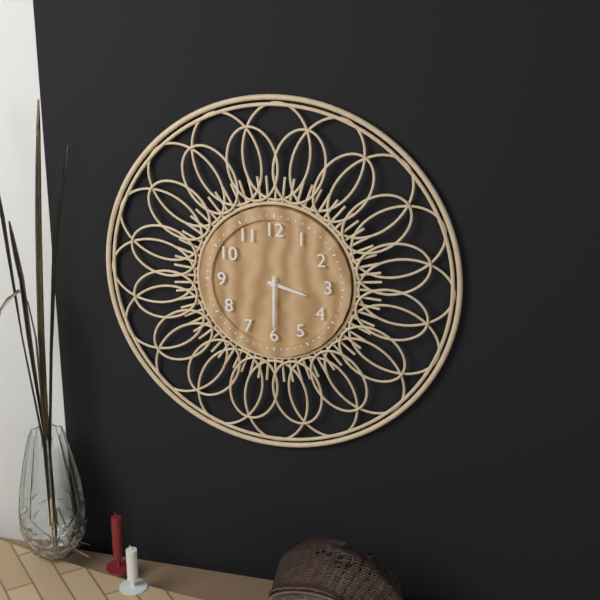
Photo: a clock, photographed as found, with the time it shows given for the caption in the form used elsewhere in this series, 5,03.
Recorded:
3,30
